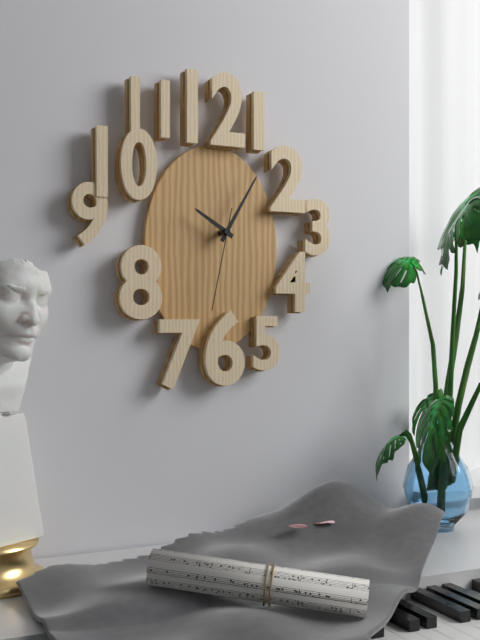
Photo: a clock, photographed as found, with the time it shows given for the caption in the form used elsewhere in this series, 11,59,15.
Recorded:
10,05,32
